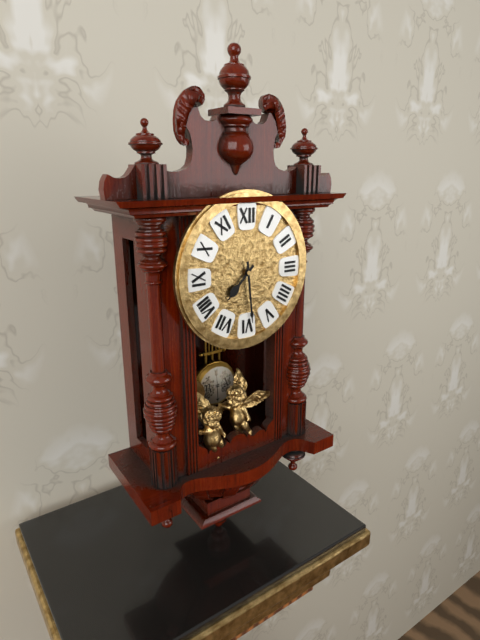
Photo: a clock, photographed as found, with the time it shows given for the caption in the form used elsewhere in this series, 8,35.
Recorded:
7,29
